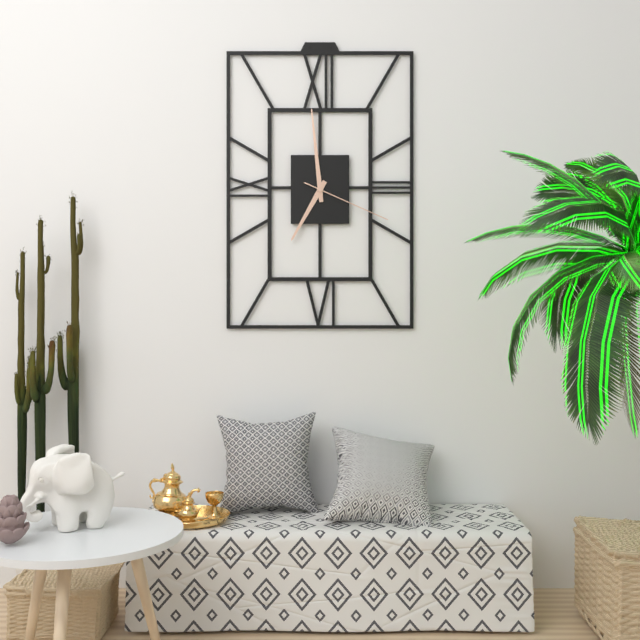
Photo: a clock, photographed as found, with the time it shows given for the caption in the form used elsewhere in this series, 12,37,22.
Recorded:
6,59,19
